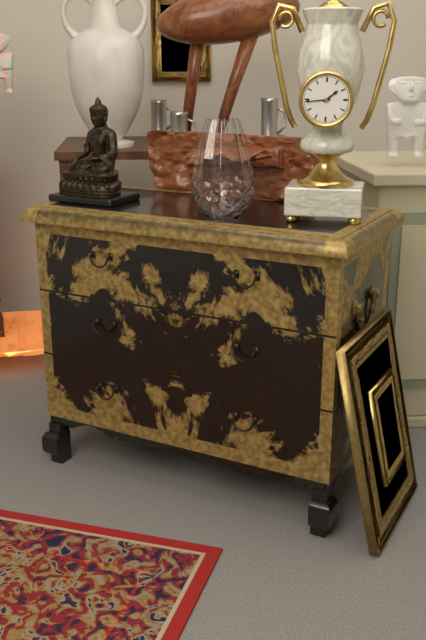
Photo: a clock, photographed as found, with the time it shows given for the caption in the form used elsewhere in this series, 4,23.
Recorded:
1,44
